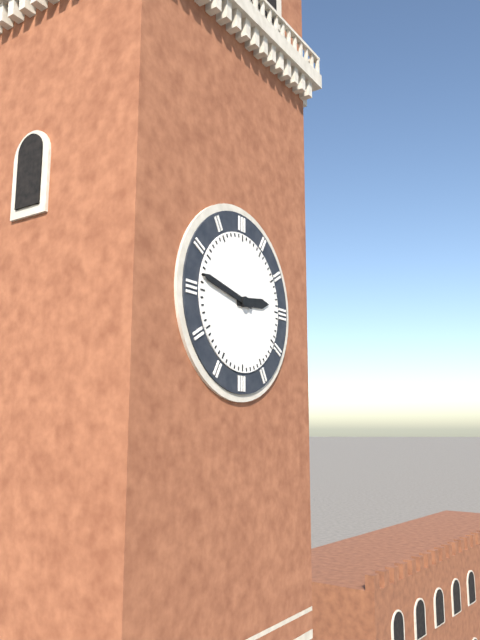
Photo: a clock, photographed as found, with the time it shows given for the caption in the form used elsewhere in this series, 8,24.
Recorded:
2,47
